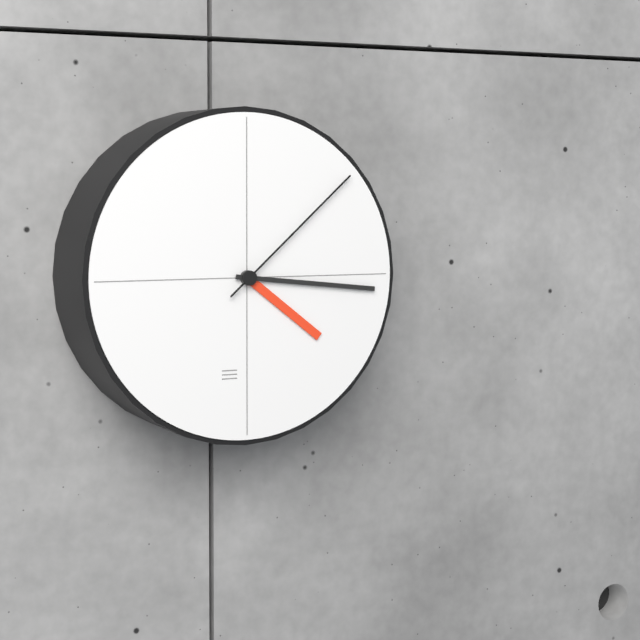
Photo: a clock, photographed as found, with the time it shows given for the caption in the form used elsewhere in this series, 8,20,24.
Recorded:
4,16,08
